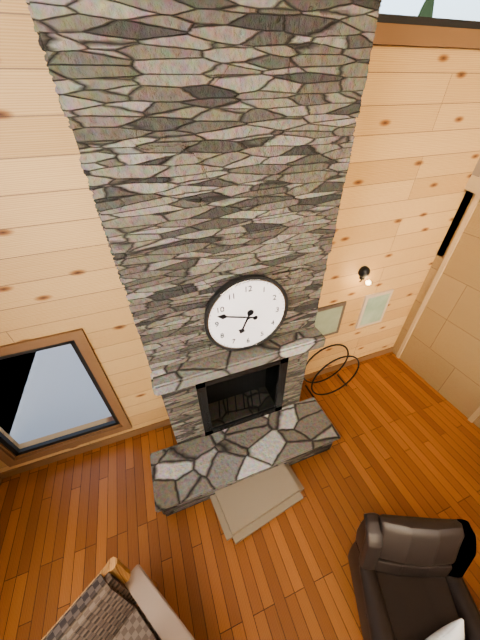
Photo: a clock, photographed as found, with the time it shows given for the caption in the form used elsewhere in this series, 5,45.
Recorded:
6,48
